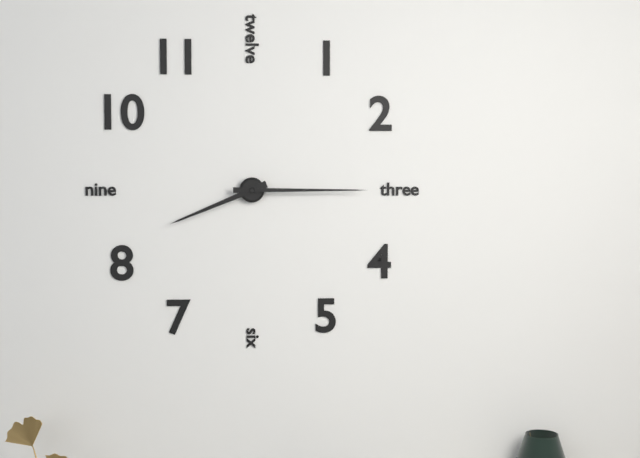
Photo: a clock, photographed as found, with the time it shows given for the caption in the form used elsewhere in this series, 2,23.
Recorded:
8,15
